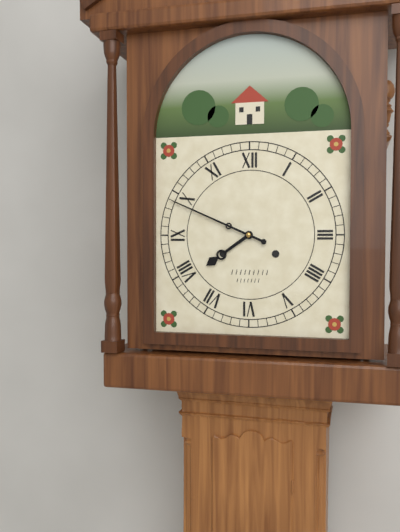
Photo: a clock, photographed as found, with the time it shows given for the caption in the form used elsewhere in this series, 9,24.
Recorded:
7,49
